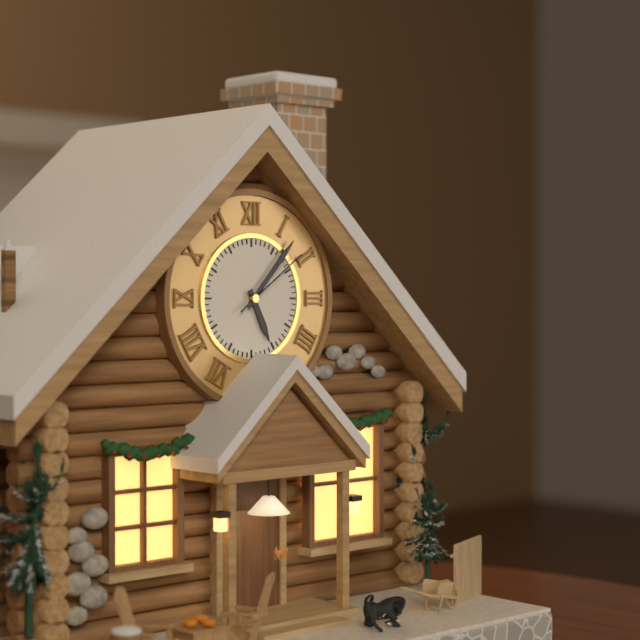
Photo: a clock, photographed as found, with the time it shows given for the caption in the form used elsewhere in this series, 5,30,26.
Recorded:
5,07,09
